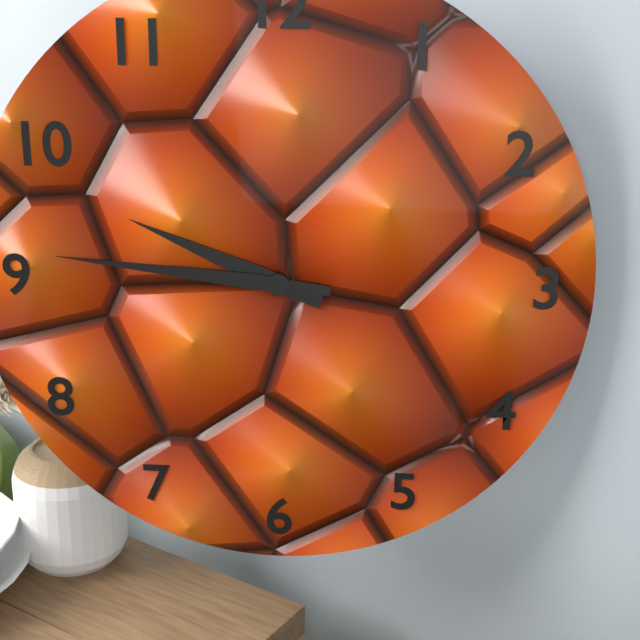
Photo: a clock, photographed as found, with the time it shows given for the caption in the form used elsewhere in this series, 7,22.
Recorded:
9,46
